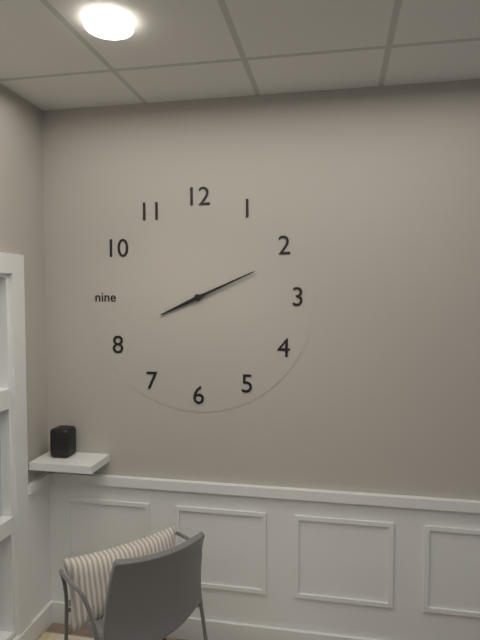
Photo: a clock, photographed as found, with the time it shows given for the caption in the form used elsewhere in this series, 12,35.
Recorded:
8,11
